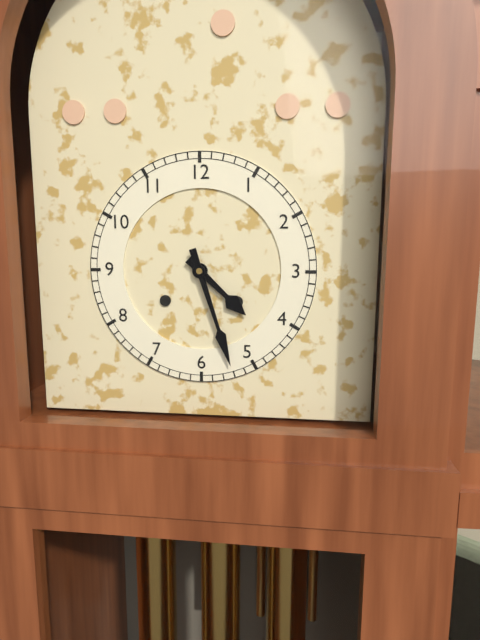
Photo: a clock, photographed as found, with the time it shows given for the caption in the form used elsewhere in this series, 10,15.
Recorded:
4,27
